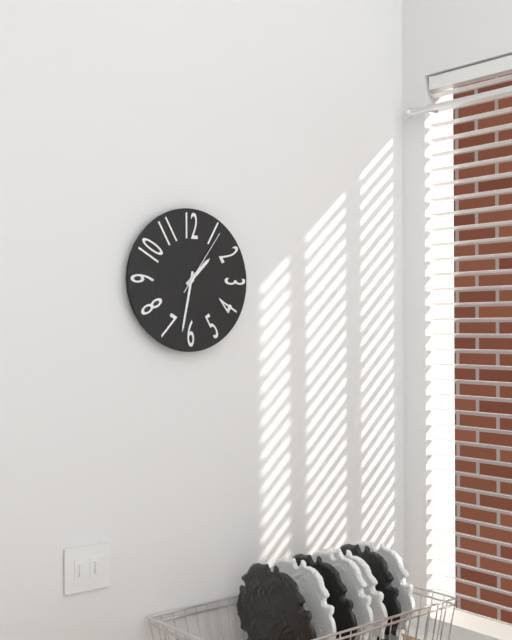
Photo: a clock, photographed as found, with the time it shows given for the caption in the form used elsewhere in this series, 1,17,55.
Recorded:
1,32,06
